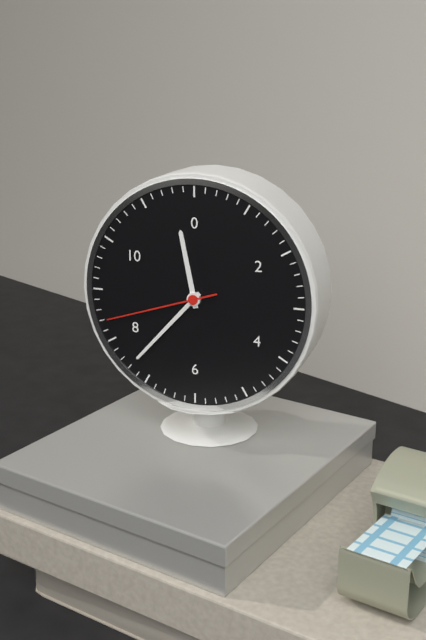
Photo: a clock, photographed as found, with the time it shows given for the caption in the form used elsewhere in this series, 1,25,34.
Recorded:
11,37,42
